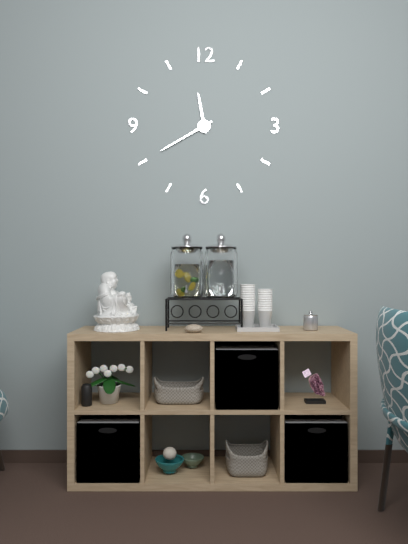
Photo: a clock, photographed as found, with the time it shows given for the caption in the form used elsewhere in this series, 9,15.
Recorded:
11,40
